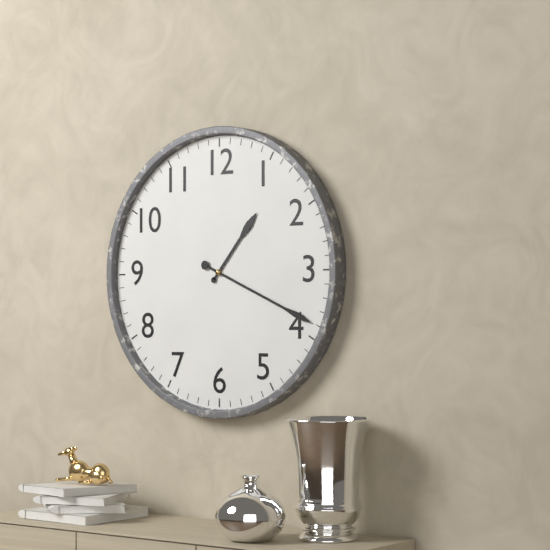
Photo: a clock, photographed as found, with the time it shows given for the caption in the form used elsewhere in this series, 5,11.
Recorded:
1,19
